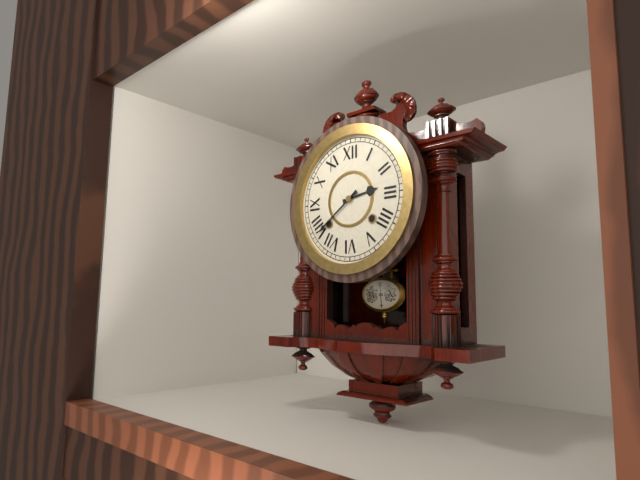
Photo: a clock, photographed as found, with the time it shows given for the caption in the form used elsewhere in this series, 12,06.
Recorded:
2,39
